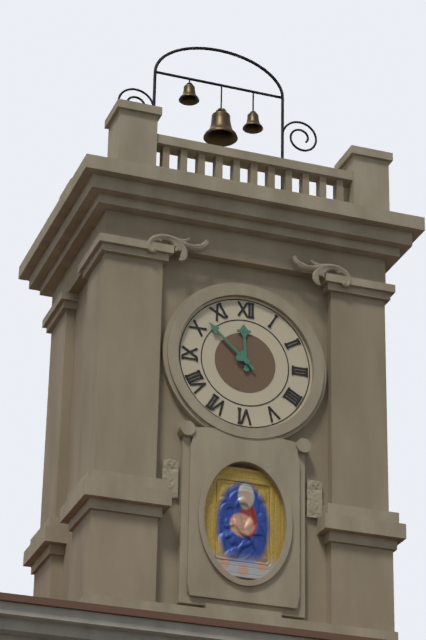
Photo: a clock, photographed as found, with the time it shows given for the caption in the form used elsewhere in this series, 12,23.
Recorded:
11,52
